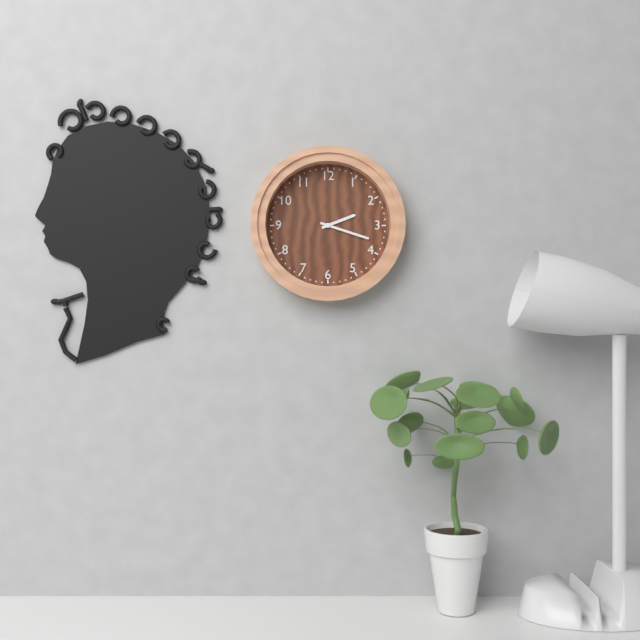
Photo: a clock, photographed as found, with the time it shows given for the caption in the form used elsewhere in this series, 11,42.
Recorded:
2,18
